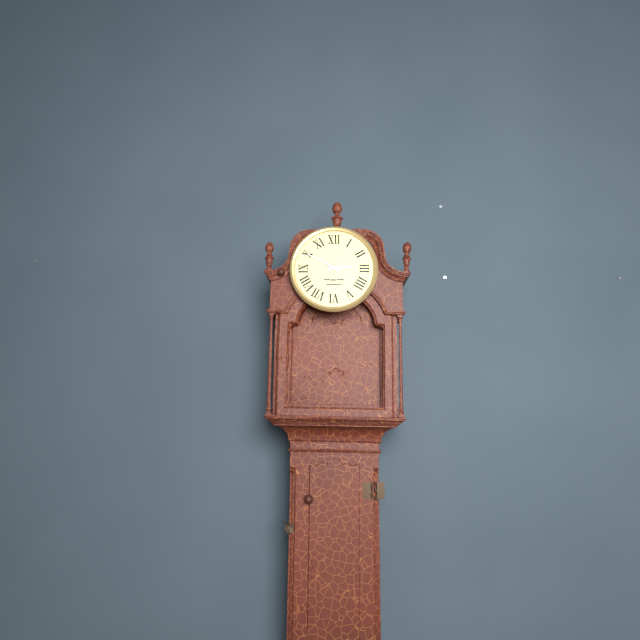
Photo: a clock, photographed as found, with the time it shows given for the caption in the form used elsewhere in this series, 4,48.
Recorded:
2,50
